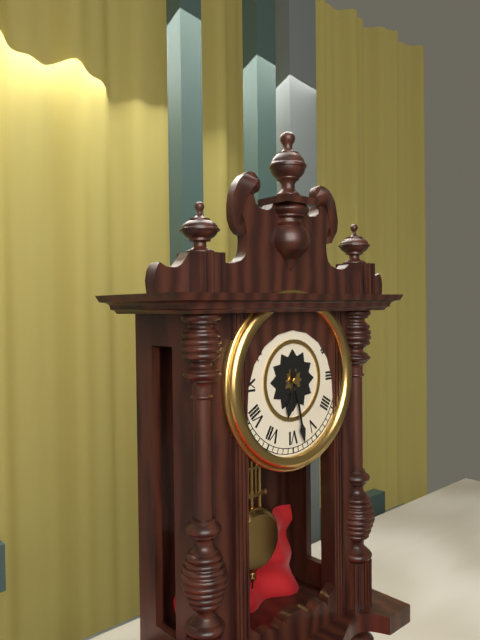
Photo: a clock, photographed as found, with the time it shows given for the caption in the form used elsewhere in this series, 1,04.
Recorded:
6,28
